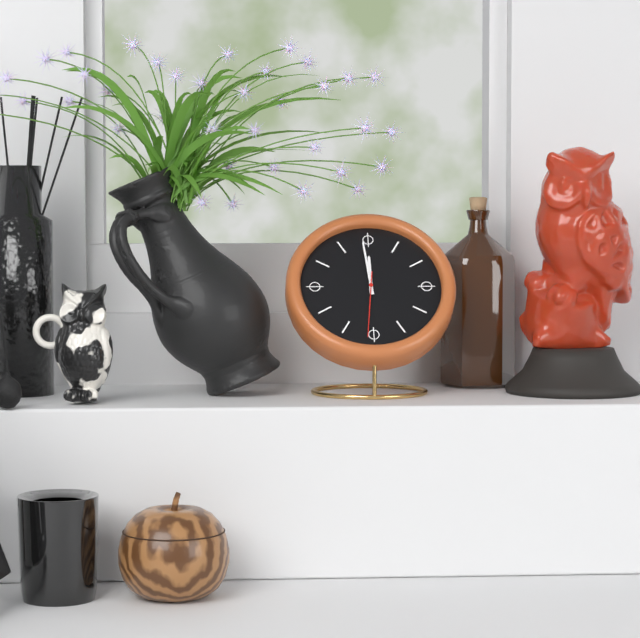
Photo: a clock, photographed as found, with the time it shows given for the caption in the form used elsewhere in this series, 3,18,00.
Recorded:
11,59,31
